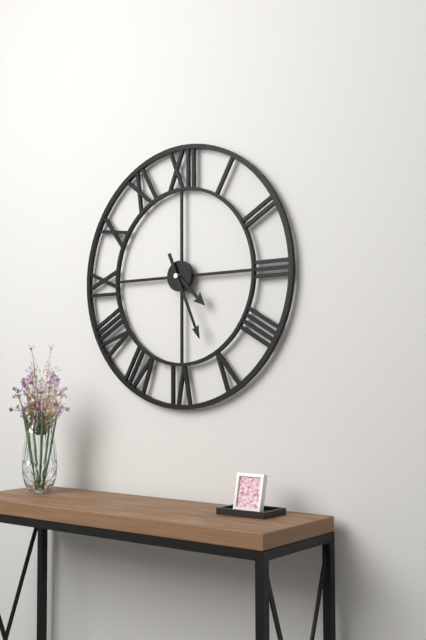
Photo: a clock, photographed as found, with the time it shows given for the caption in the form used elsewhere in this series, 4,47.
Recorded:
4,26
